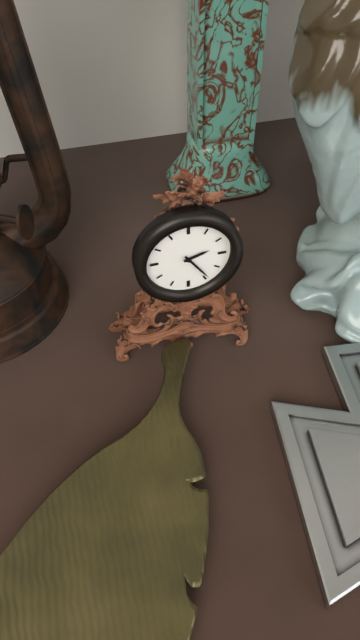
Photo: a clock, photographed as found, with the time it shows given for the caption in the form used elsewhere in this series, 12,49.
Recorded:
2,24
